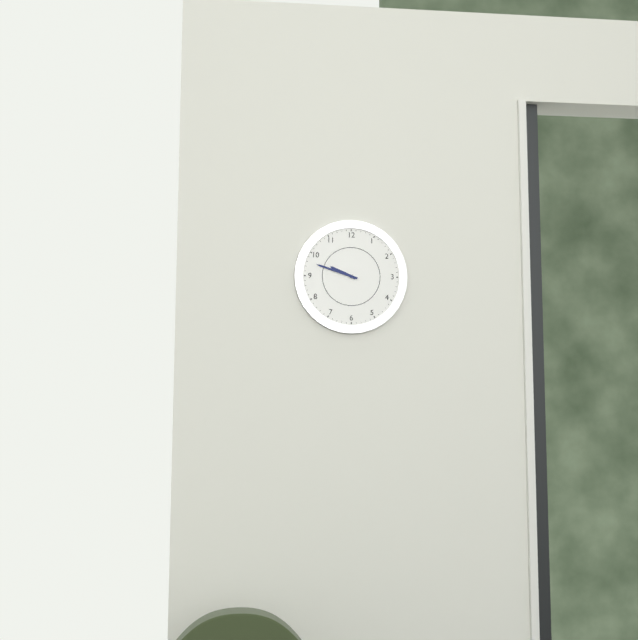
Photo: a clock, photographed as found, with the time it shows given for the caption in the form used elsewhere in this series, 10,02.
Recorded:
9,48
